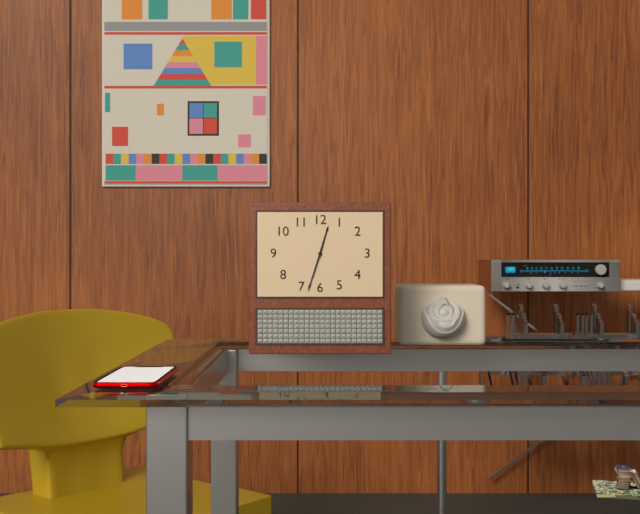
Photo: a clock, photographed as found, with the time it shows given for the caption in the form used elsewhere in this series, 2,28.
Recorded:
12,33
